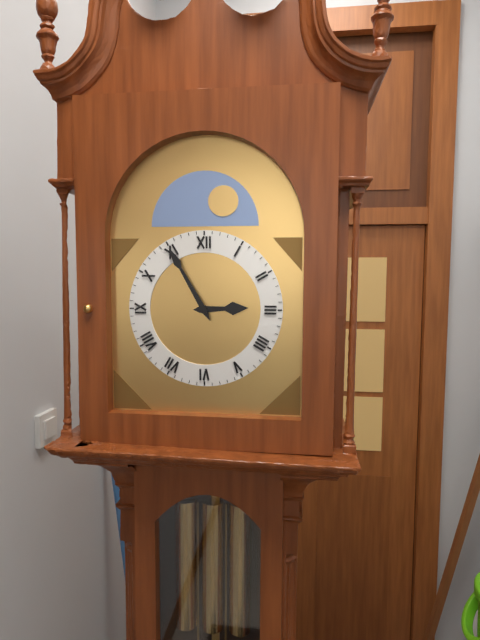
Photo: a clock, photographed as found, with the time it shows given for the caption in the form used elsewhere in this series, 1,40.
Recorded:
2,55
